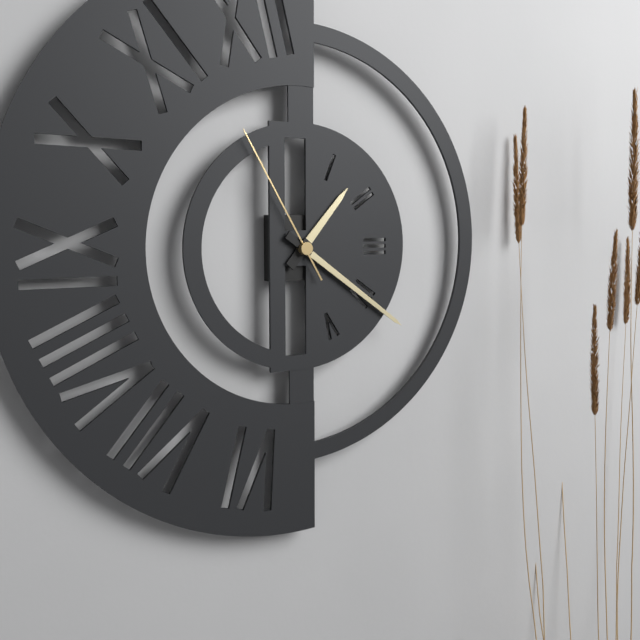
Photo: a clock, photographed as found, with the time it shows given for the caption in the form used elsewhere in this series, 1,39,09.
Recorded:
1,21,55
